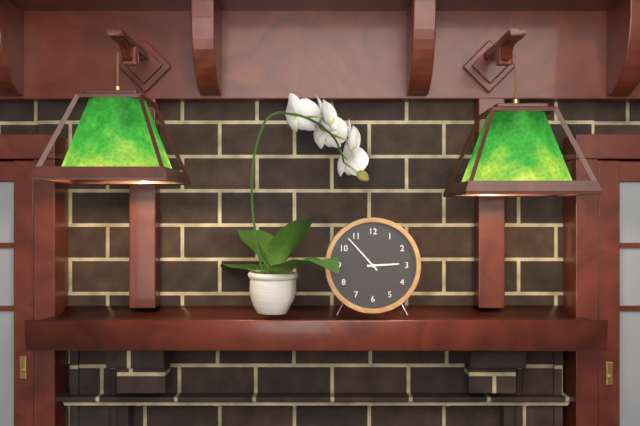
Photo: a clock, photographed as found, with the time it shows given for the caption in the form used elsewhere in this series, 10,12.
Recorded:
2,53
